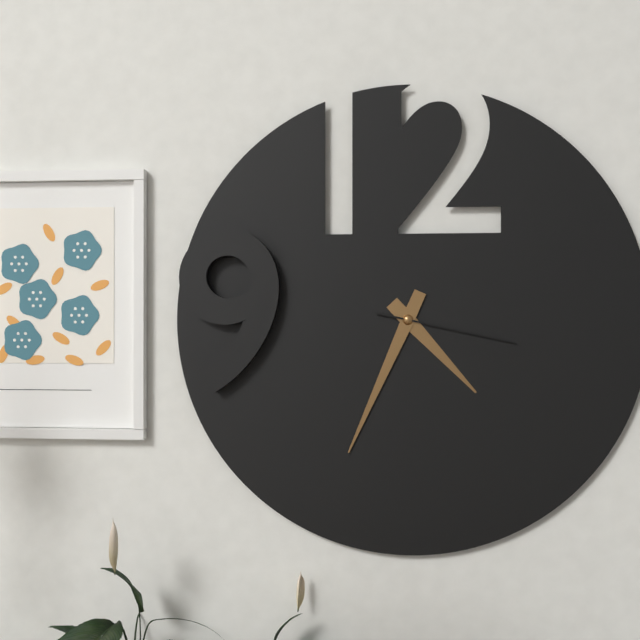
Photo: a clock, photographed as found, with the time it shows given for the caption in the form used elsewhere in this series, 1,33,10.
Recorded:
4,34,17
